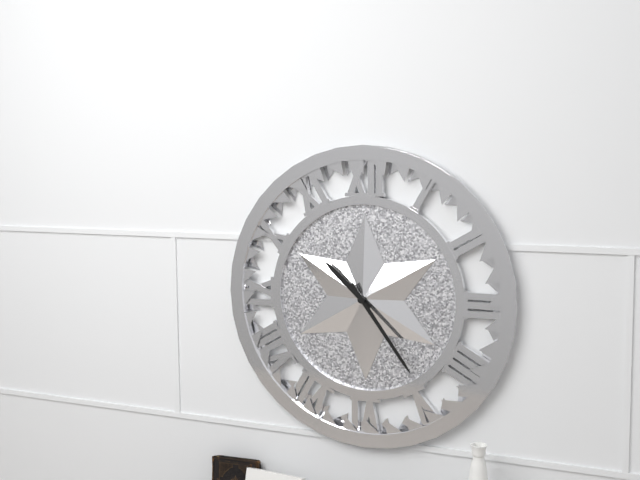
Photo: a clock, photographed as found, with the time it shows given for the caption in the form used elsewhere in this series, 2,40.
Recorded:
10,24
